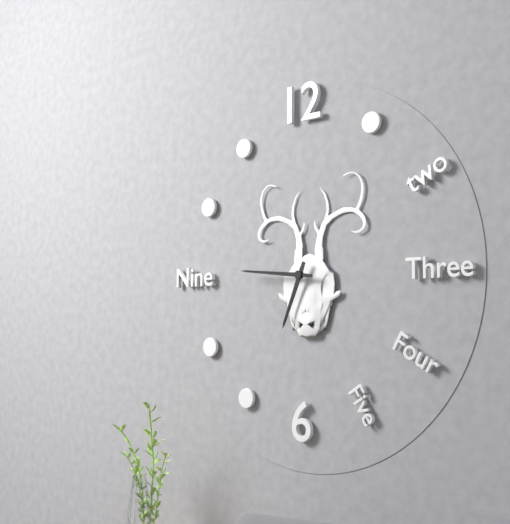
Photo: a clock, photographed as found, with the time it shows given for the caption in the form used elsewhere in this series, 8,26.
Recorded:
6,46
